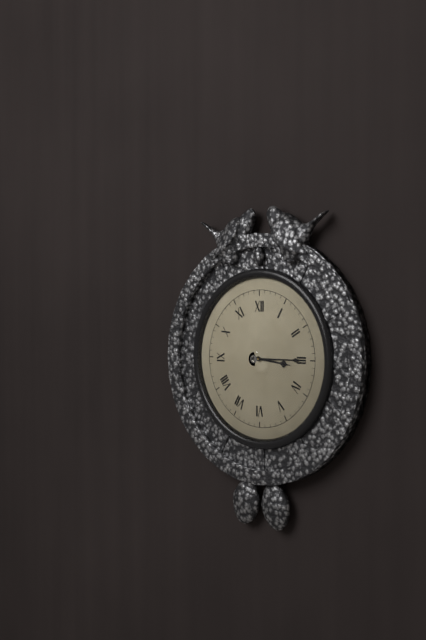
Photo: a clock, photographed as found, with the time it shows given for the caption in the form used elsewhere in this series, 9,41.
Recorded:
3,15
